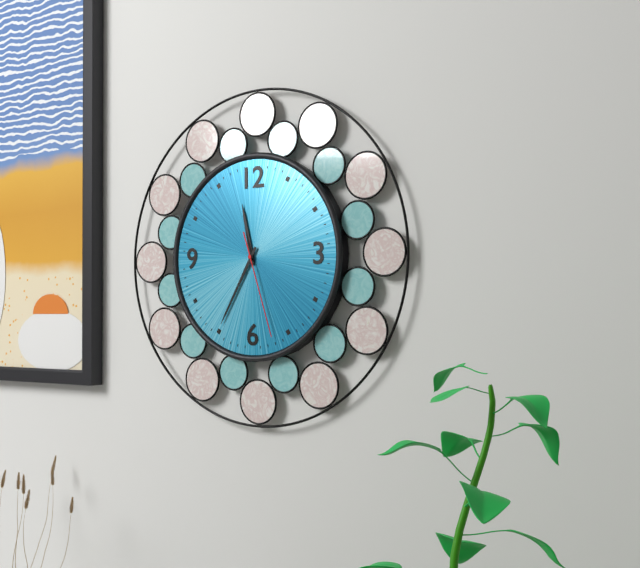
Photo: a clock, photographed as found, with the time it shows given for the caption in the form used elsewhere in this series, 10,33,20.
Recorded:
11,35,27
